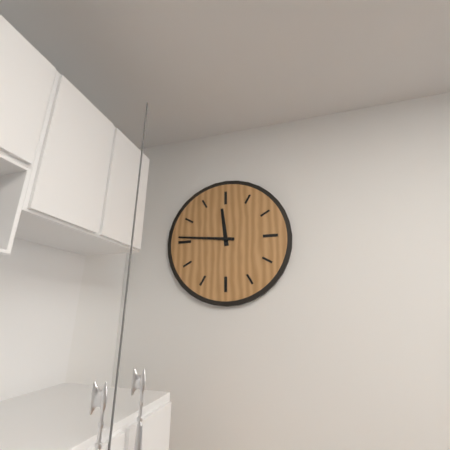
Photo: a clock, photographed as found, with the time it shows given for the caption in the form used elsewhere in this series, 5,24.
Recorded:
11,46
